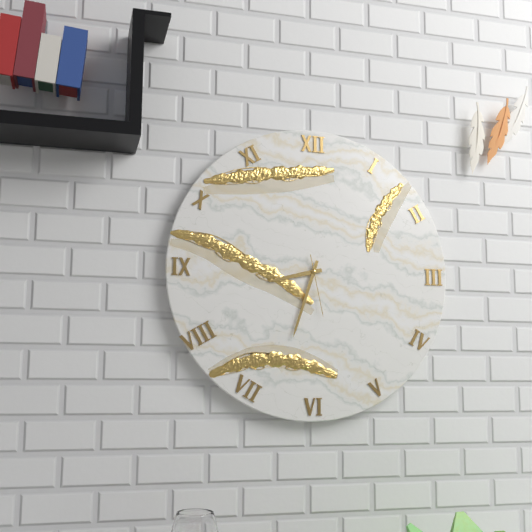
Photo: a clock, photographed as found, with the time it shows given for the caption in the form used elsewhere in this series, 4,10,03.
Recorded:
8,33,28
